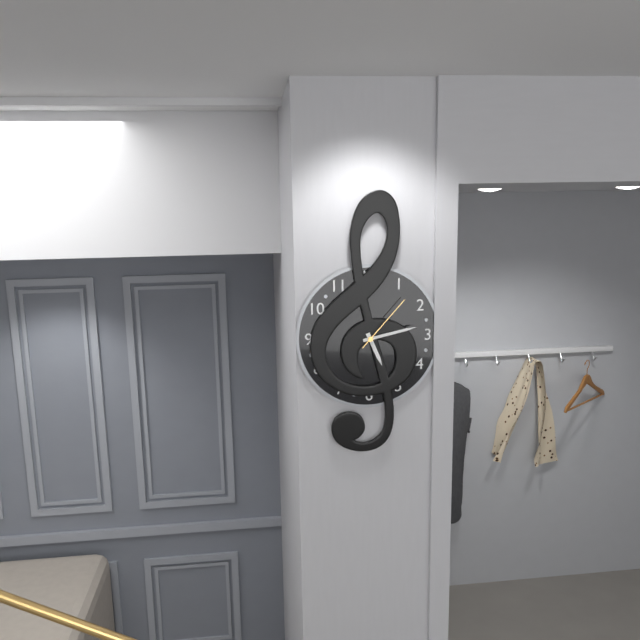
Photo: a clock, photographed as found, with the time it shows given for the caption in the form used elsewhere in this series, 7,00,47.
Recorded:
5,13,07
